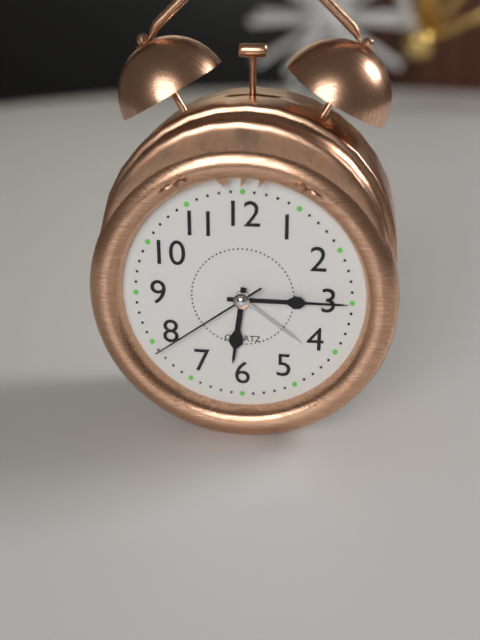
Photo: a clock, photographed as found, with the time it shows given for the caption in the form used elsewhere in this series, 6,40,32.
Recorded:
6,15,39
